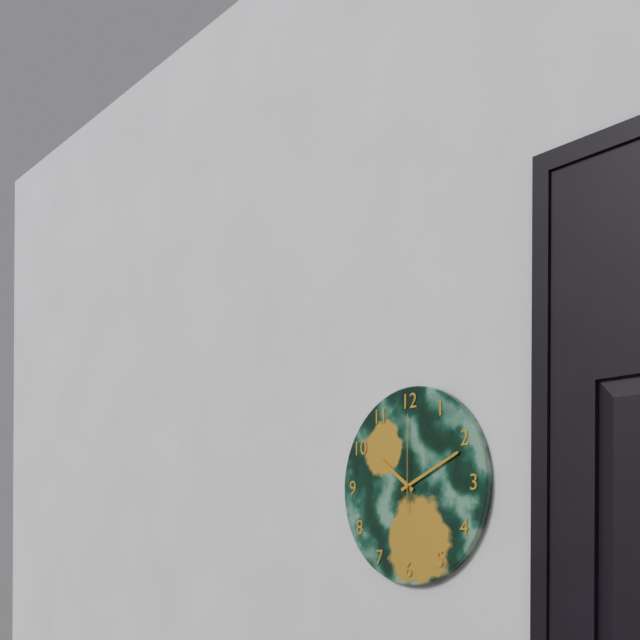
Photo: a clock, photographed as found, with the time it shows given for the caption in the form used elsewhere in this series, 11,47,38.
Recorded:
10,11,00
